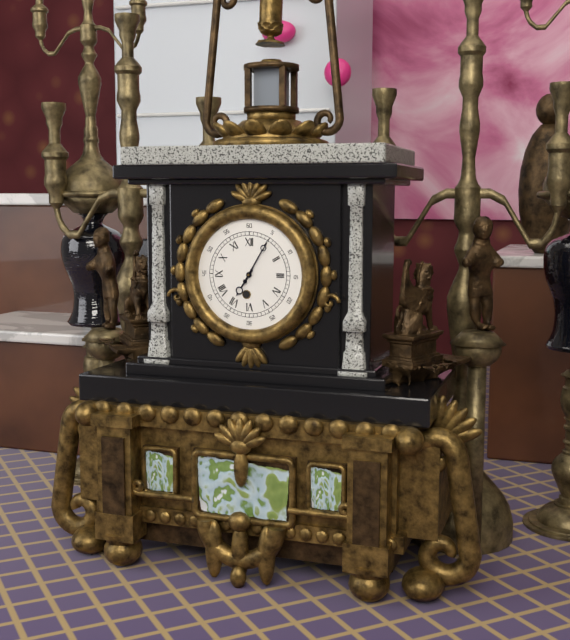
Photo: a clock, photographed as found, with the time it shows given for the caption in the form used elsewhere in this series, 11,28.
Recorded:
7,05
